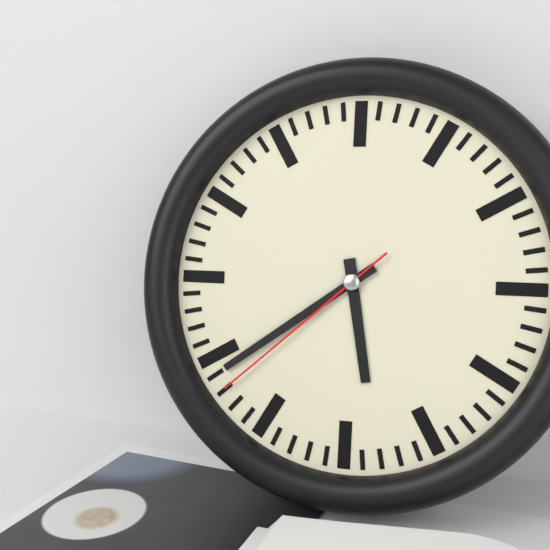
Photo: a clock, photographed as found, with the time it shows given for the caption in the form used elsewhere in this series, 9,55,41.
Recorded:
5,39,38
